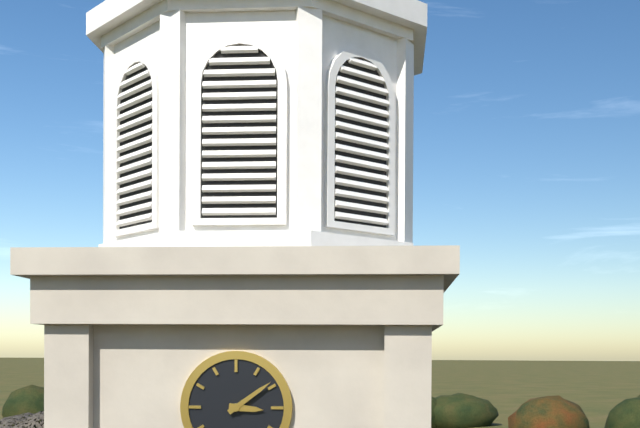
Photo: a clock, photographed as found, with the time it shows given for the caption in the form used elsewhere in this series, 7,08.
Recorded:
3,09
